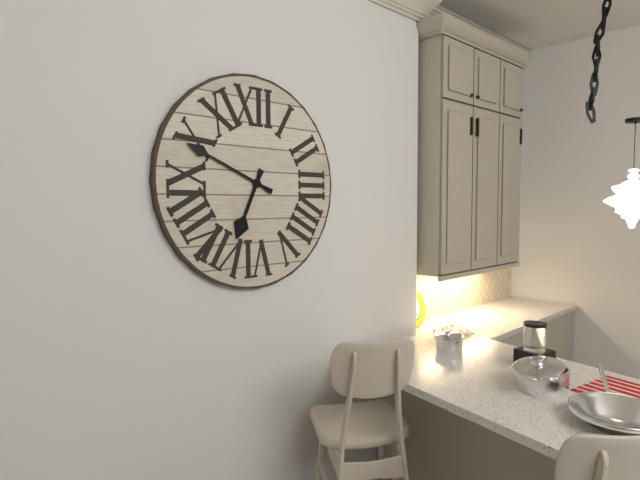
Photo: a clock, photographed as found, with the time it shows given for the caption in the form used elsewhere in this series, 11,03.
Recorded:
6,49
